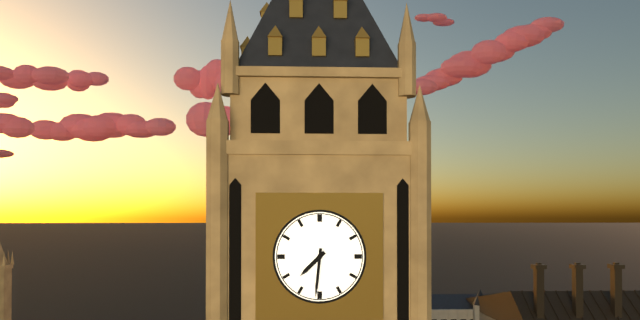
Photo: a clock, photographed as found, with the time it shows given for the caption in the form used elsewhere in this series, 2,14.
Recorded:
7,31
